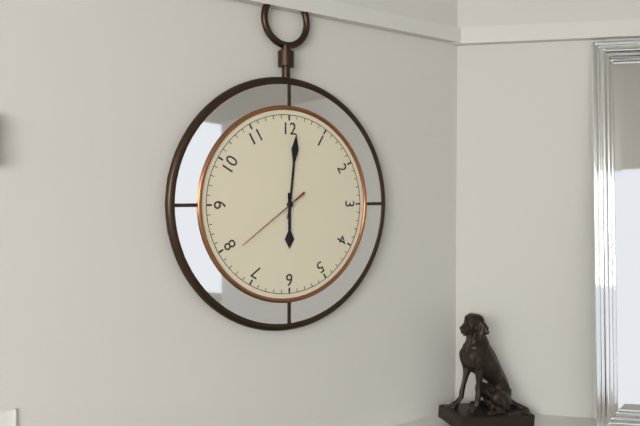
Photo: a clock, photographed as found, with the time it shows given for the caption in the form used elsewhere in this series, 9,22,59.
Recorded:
6,01,39
